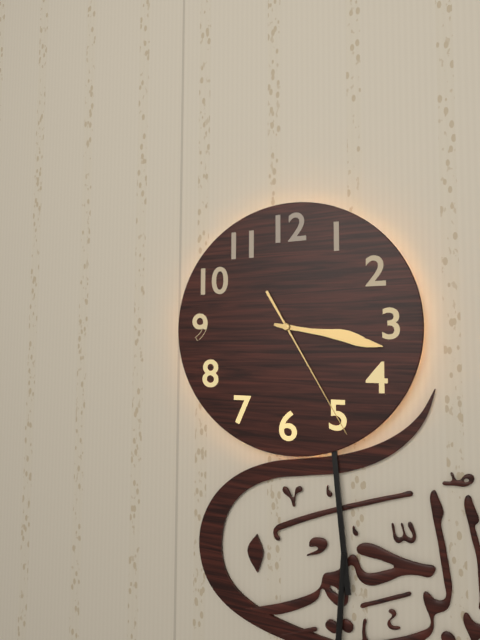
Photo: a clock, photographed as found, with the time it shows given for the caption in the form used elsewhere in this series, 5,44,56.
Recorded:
3,17,25
